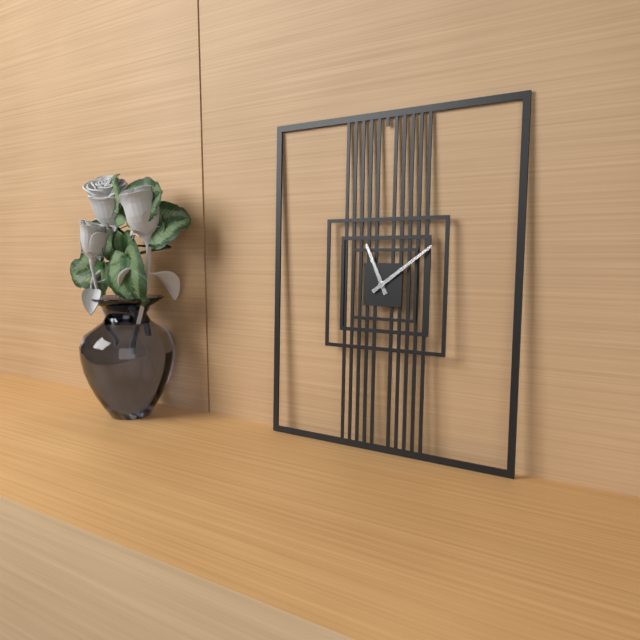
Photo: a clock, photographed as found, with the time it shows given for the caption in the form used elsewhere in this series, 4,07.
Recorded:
11,09
